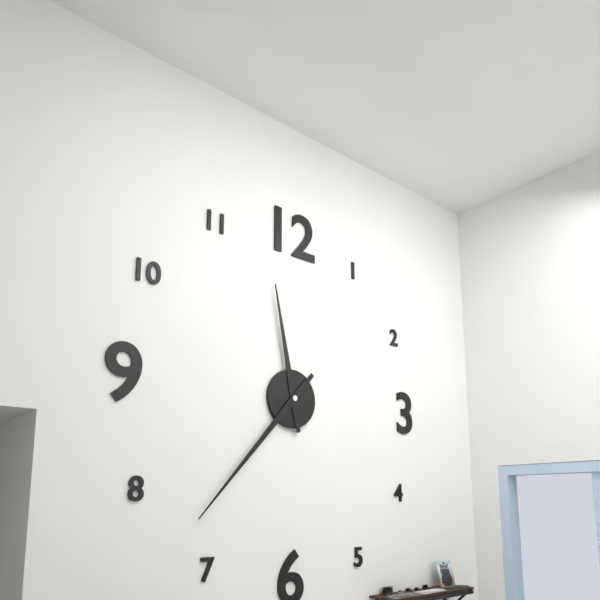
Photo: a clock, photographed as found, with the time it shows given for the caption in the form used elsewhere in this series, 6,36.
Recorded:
11,37
